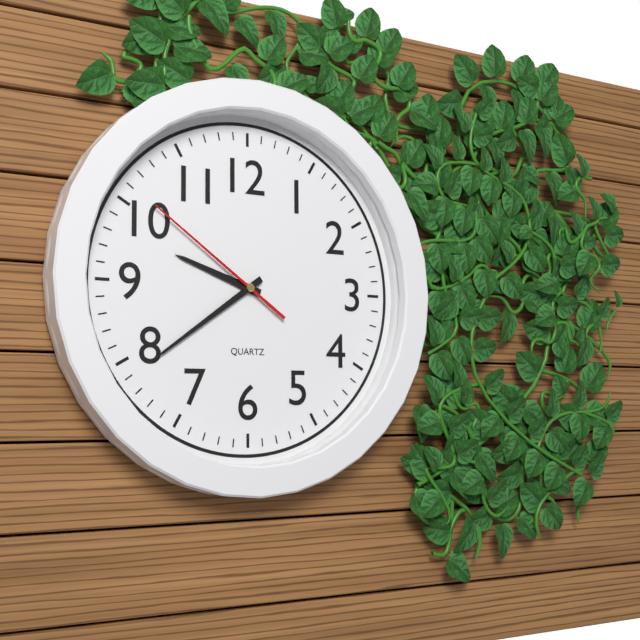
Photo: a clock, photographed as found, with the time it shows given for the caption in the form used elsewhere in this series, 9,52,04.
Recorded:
9,39,51
